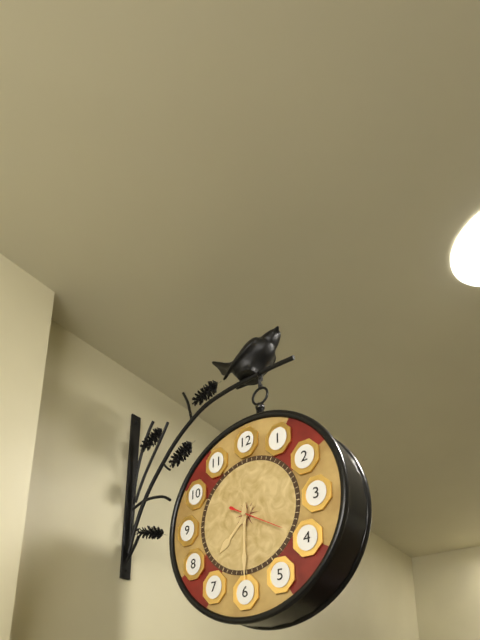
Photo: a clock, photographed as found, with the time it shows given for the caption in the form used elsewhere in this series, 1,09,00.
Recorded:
7,30,20
